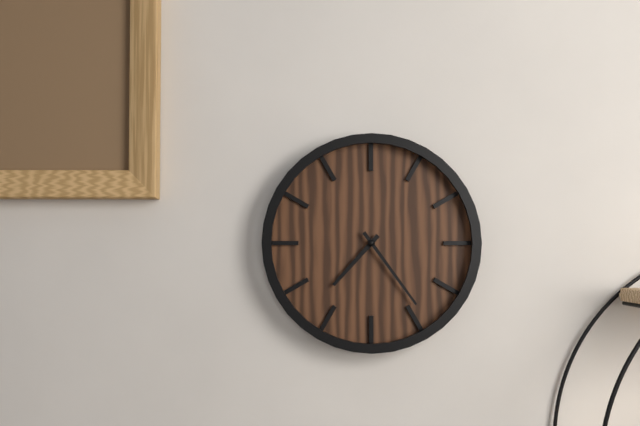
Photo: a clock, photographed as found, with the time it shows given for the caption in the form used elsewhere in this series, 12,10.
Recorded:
7,24
